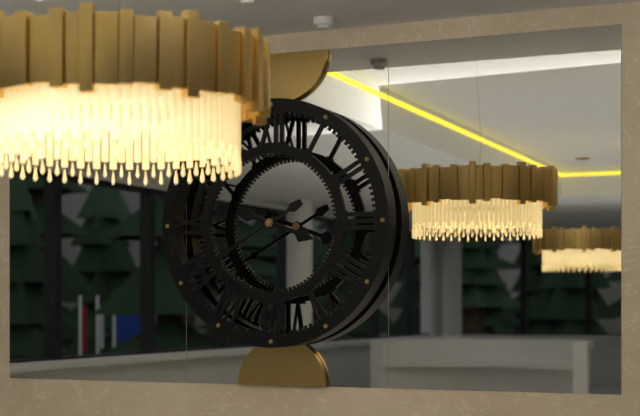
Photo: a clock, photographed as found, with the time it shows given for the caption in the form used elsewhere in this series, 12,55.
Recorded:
3,40
